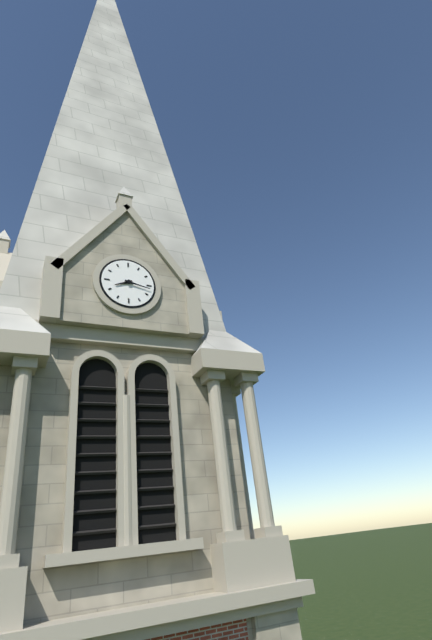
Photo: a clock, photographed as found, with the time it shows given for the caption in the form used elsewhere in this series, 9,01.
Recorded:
8,17
